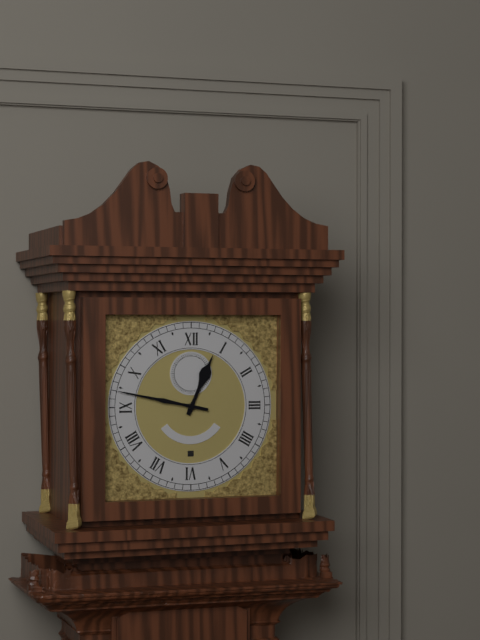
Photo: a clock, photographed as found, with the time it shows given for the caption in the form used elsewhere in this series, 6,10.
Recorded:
12,47
